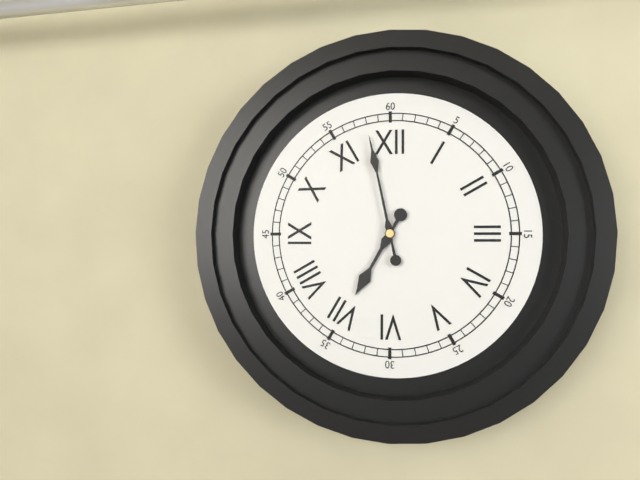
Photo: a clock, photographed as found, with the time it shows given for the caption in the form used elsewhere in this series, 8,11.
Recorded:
6,58
